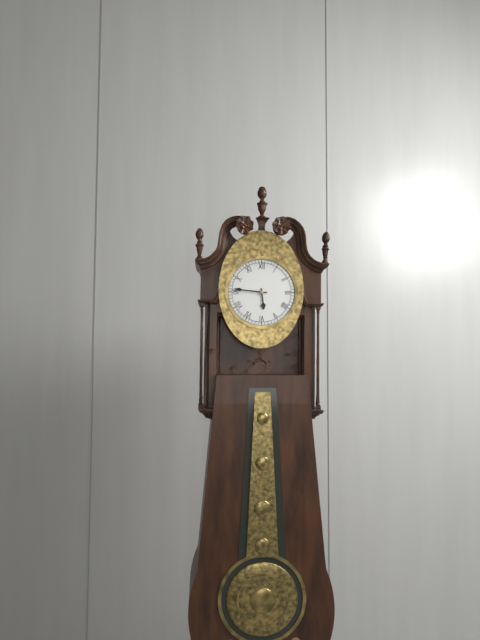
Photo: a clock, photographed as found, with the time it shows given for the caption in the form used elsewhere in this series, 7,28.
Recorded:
5,46
